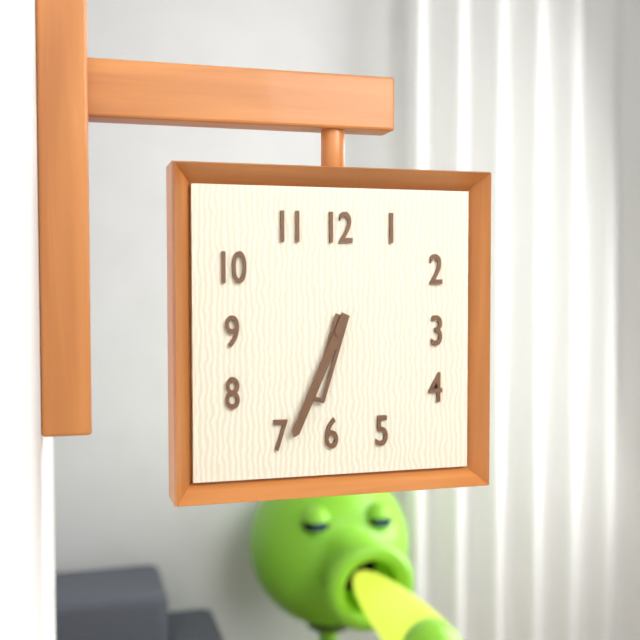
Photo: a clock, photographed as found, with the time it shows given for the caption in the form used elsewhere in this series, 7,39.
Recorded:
6,34
